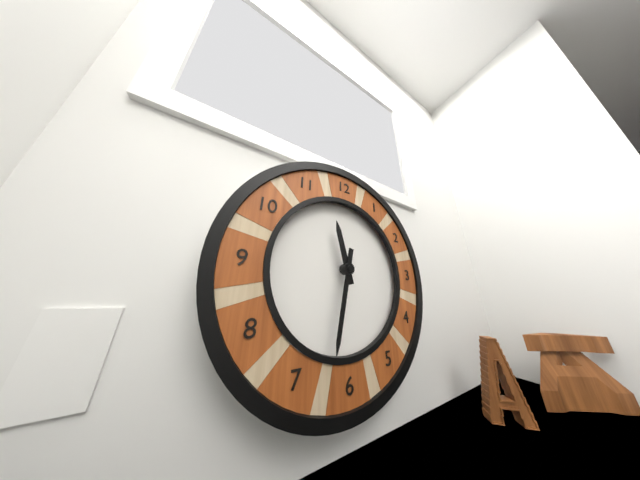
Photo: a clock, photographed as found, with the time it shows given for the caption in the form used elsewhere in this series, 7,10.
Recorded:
11,32
